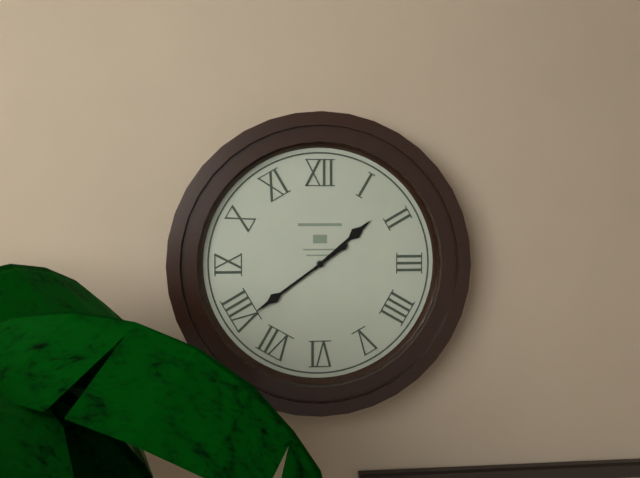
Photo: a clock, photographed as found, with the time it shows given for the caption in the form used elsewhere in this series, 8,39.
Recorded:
1,39
